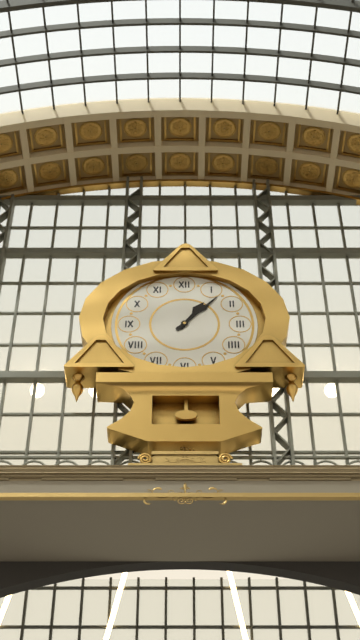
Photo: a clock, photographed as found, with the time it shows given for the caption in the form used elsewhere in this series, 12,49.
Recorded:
1,07
